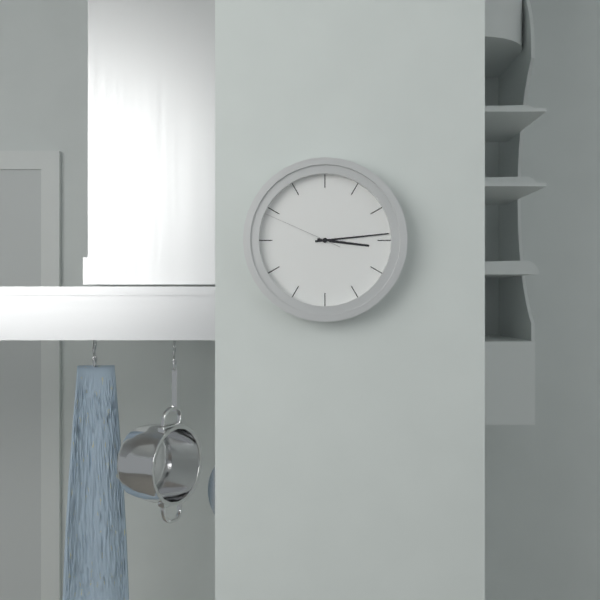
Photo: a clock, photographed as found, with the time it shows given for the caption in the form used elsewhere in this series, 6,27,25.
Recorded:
3,14,49
